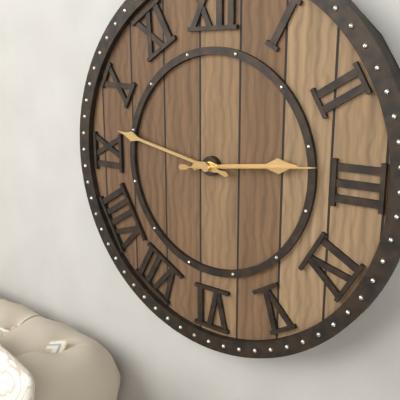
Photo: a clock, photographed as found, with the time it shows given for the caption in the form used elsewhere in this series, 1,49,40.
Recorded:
2,47,14
